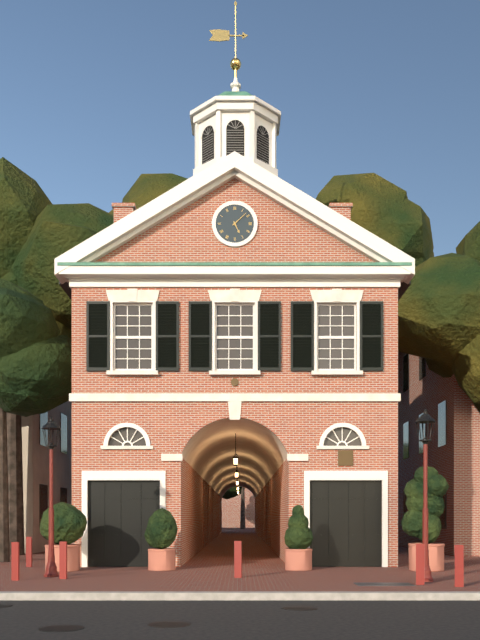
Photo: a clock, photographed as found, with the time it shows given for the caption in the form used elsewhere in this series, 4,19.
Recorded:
5,08
